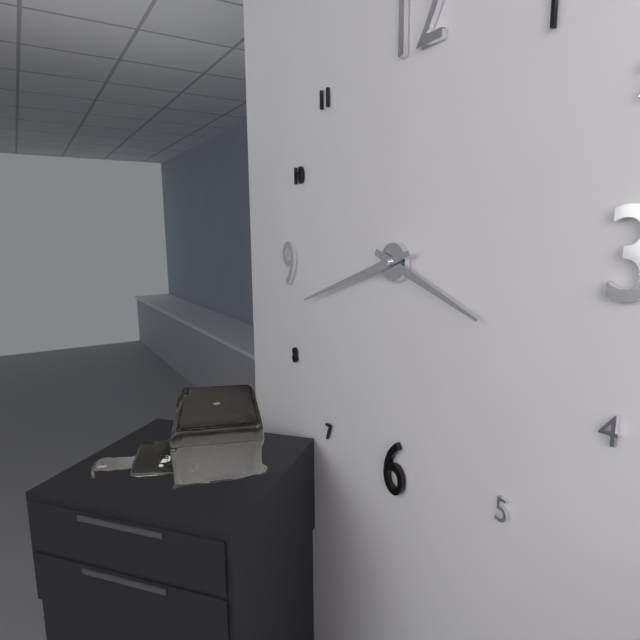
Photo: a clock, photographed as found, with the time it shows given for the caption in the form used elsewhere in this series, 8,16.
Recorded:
3,42
